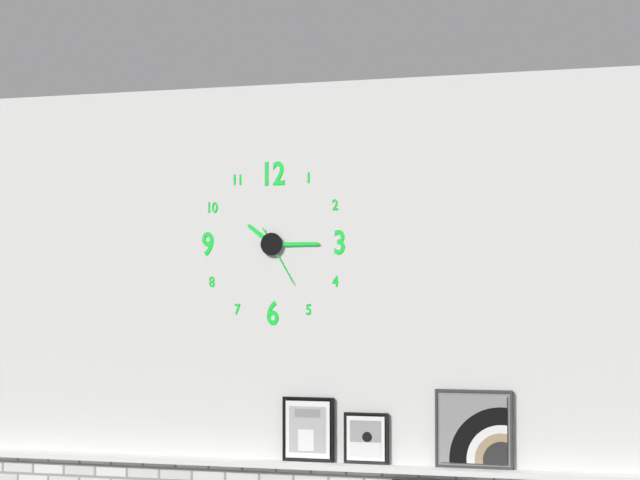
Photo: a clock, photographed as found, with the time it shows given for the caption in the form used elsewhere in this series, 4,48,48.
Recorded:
10,15,25
